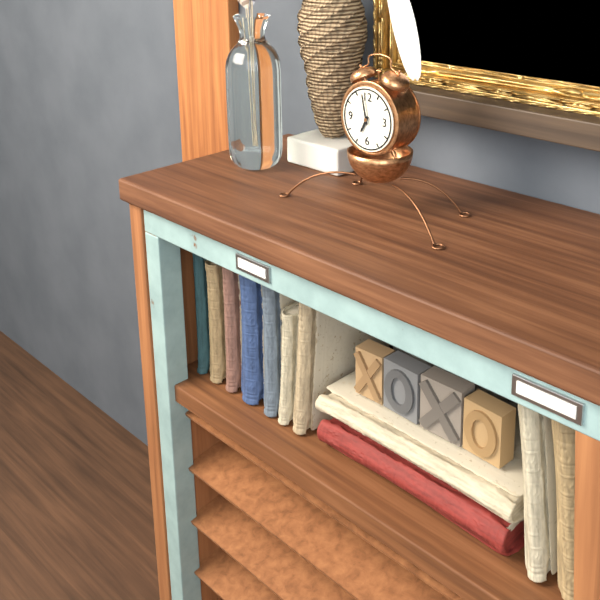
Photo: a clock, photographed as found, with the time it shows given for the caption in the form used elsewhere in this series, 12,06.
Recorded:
6,58
